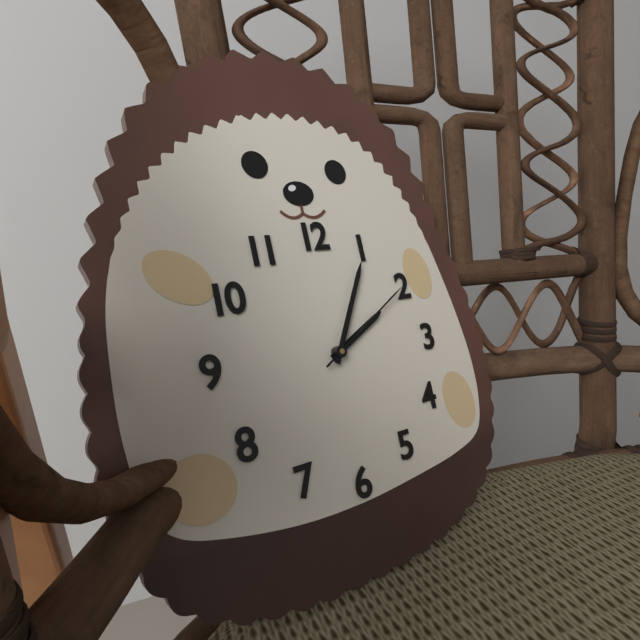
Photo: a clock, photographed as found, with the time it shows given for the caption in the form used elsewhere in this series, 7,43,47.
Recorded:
2,05,10
